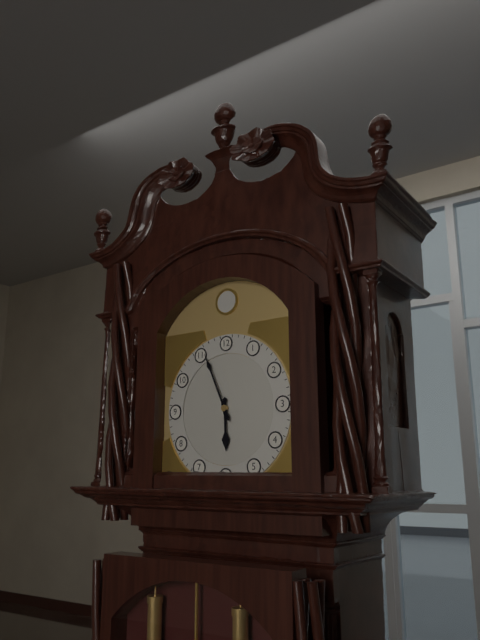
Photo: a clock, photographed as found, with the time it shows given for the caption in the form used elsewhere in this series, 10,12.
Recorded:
5,56
